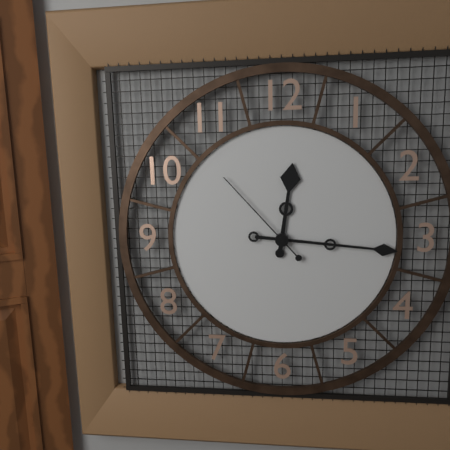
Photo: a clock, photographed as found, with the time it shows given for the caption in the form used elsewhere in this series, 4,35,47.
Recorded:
12,16,53
